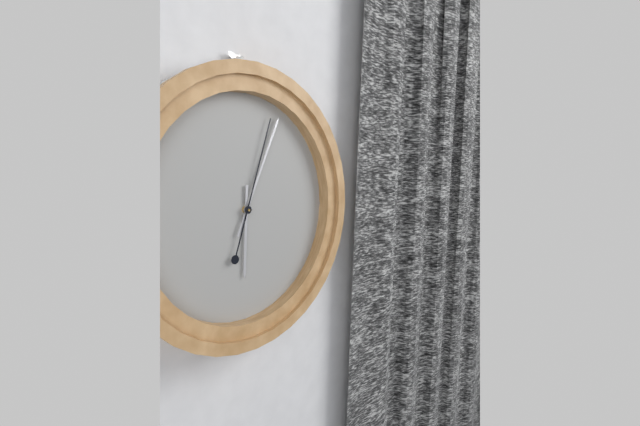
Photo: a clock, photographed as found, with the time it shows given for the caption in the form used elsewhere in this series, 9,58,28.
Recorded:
6,04,03
